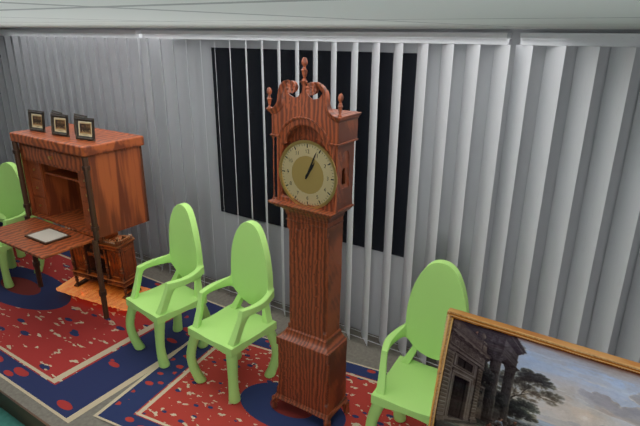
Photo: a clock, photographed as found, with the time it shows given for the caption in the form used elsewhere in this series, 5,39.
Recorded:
1,04
